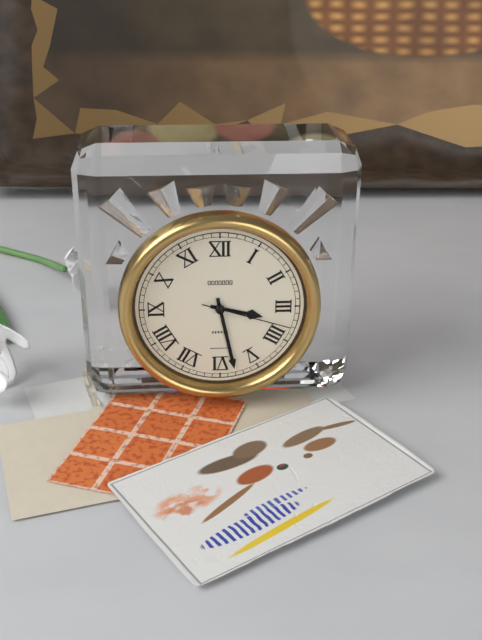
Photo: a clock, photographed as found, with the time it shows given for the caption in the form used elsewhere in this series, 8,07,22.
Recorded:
3,28,18
